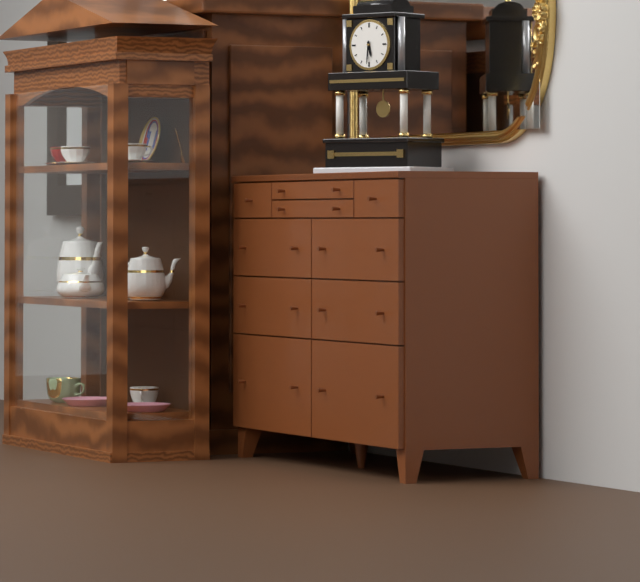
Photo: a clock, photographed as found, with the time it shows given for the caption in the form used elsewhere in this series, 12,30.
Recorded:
5,31
